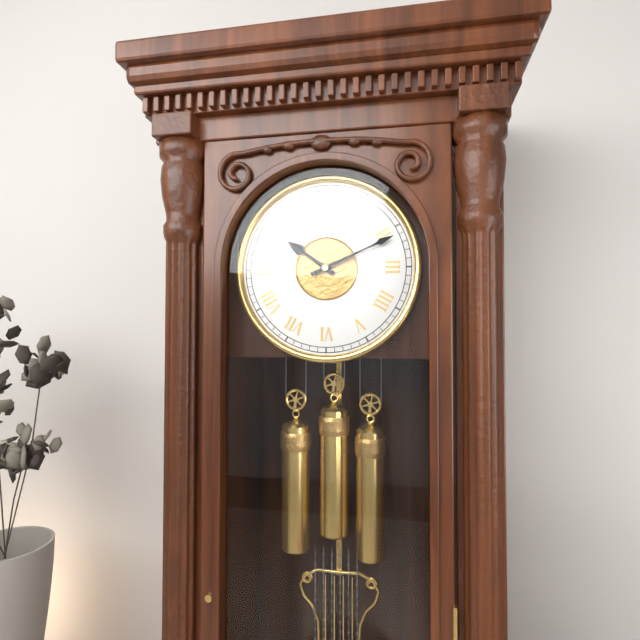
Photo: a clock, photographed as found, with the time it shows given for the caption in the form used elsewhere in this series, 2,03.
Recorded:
10,11
